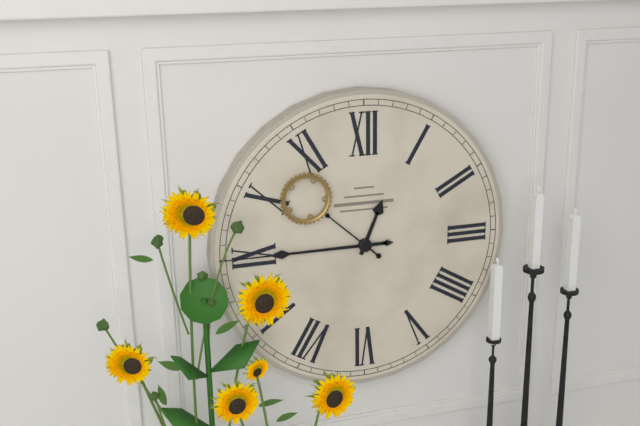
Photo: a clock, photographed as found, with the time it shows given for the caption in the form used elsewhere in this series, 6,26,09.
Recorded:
12,45,52
